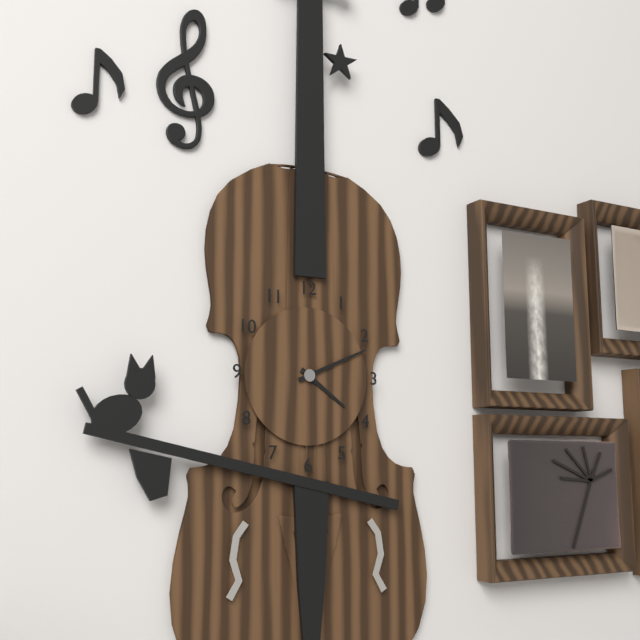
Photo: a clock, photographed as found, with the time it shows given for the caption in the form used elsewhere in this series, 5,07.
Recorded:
4,11
